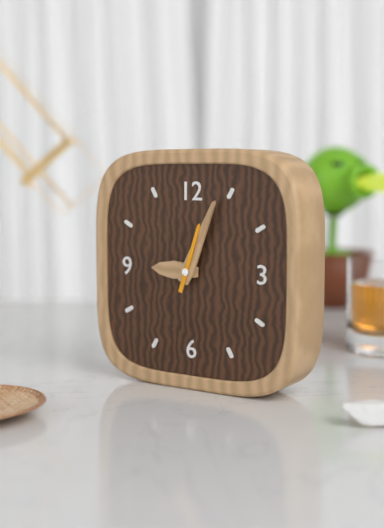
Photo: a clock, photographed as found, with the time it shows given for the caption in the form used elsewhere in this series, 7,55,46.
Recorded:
9,04,03
